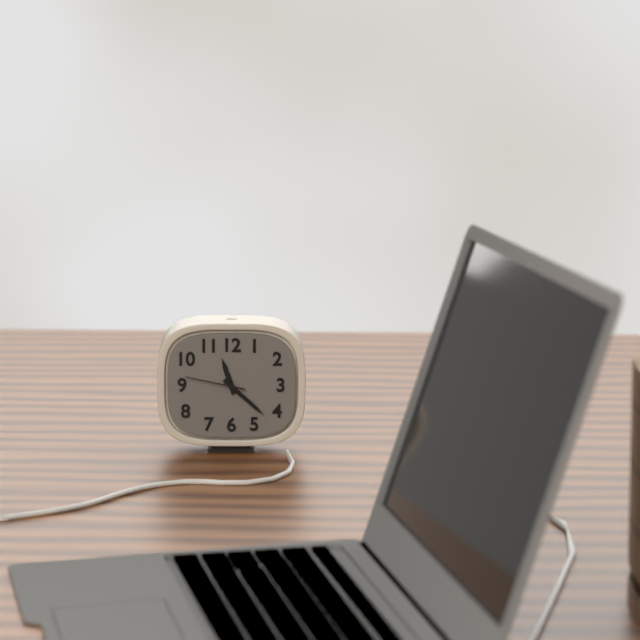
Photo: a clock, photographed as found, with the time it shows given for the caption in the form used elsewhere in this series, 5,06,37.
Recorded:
11,22,47
